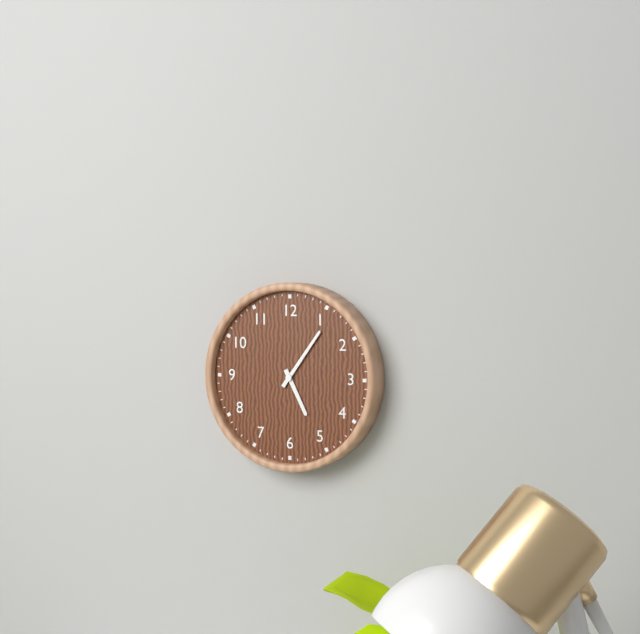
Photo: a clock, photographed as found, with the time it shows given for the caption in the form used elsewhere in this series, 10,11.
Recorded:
5,06
